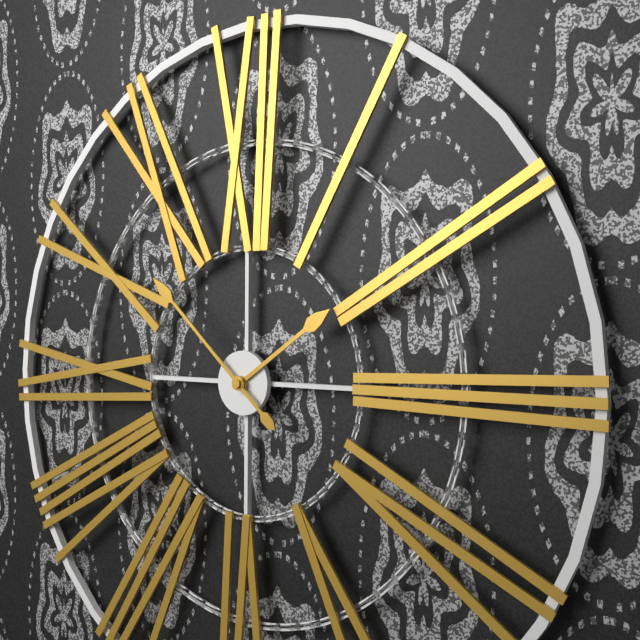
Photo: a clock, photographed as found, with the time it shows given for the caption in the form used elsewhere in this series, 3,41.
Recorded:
1,52
